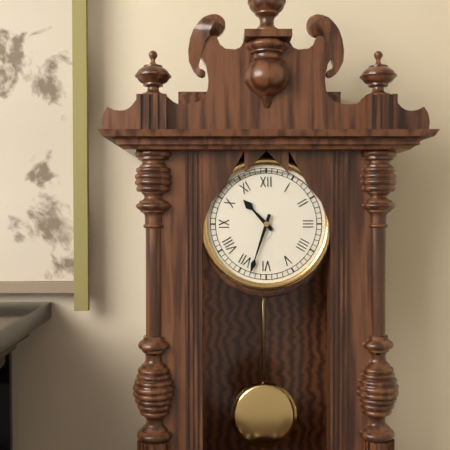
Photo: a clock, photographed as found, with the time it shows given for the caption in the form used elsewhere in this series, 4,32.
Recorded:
10,33
